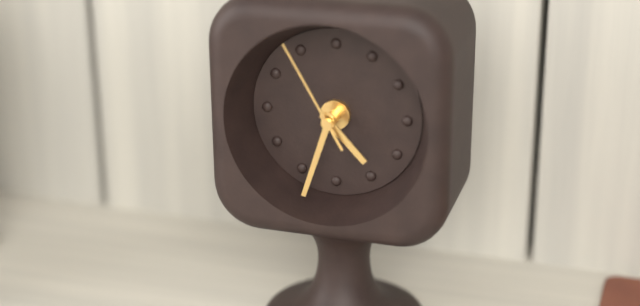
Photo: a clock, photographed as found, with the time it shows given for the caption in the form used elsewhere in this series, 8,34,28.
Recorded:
4,33,55
